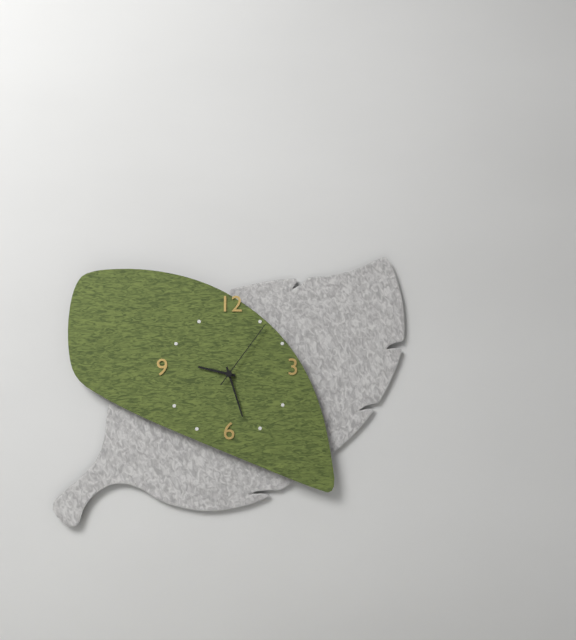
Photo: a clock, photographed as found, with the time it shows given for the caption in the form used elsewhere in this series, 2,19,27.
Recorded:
9,27,06
